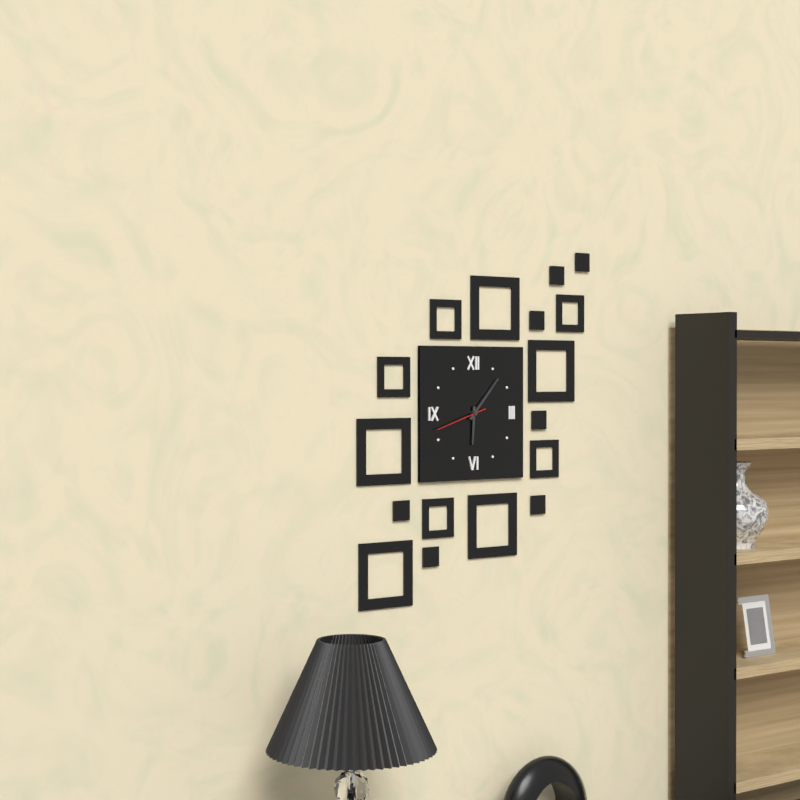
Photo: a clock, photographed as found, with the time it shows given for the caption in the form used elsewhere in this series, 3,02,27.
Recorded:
6,07,42
